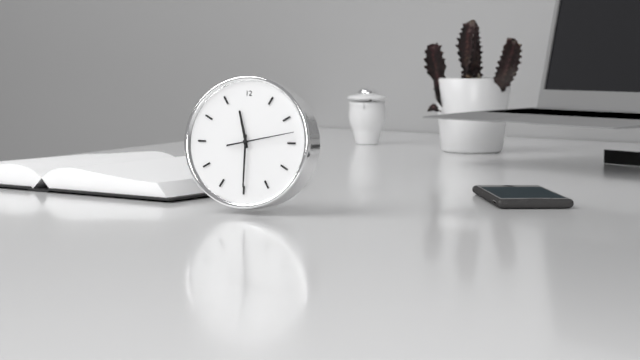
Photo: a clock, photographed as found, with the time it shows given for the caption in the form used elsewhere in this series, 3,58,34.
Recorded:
11,30,13
